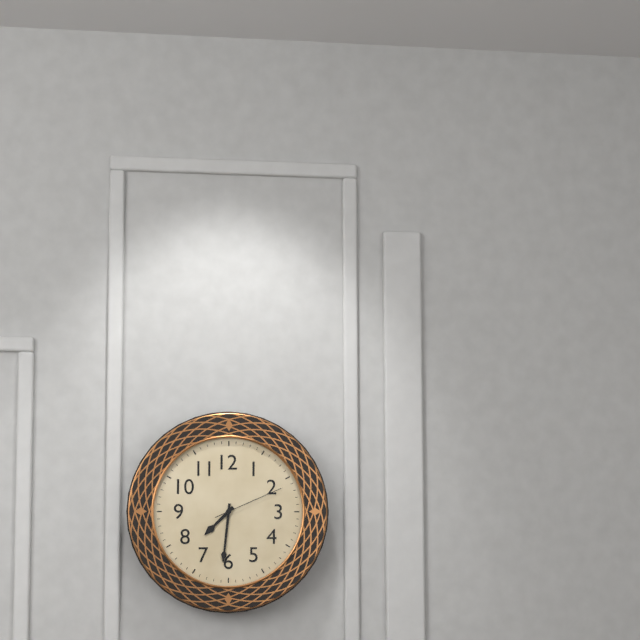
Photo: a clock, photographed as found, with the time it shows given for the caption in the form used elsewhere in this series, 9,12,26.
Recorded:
7,31,11
